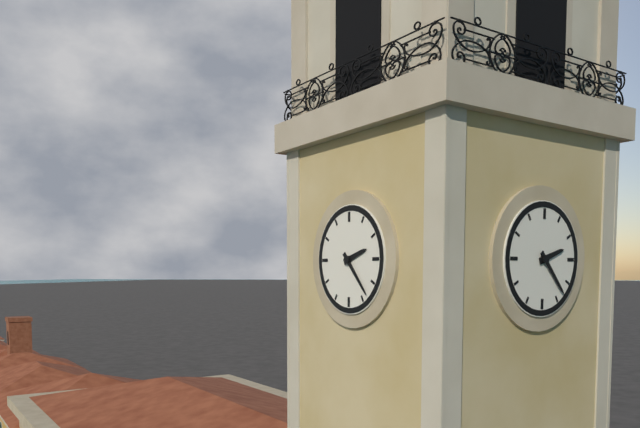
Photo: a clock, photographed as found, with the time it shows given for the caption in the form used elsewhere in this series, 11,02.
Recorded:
2,23
